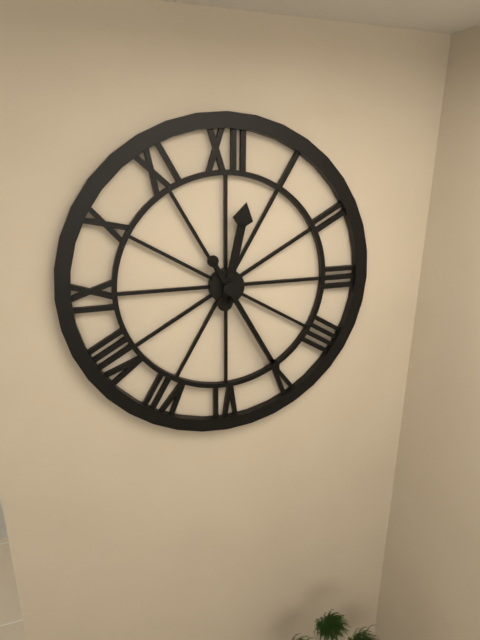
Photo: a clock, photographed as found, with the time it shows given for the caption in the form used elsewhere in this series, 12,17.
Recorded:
12,25
